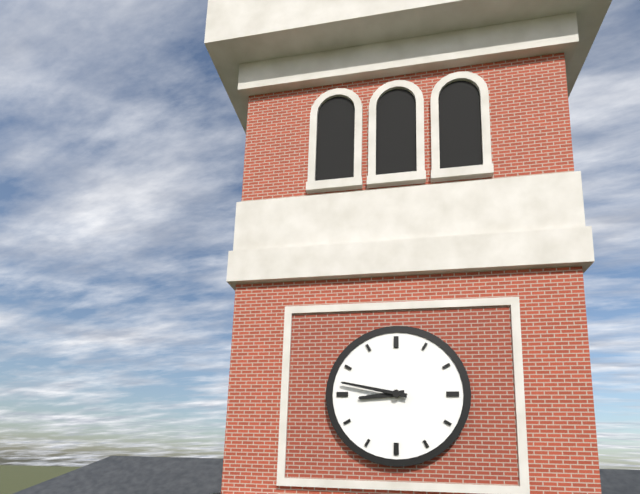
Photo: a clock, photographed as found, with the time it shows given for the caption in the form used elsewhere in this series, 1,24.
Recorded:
8,47
